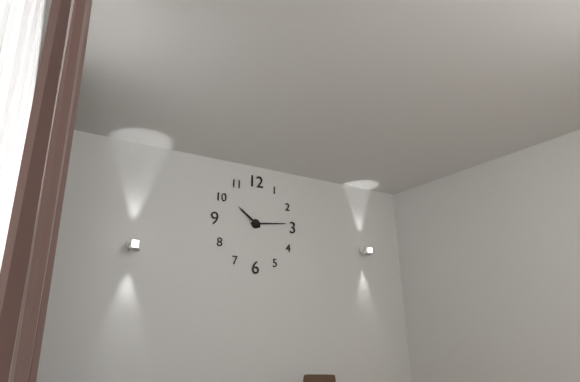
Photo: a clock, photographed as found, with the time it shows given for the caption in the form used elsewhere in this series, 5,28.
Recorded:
10,14
